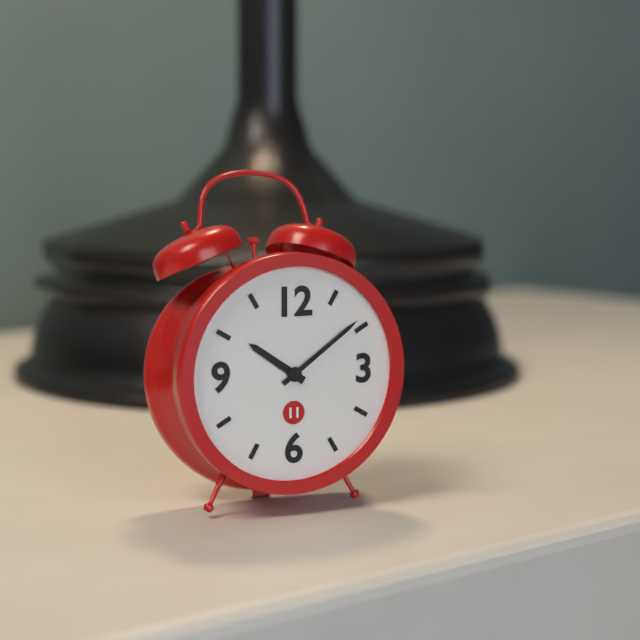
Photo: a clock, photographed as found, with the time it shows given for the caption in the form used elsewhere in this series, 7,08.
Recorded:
10,09
